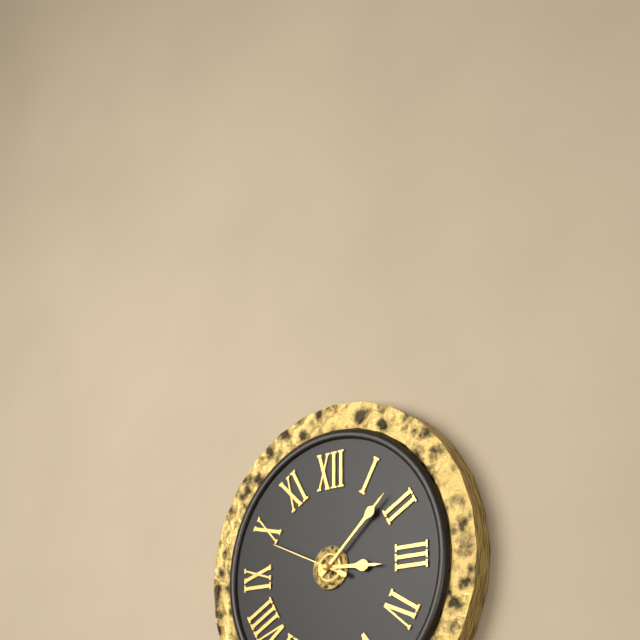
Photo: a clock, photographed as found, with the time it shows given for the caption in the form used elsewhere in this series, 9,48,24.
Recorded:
3,08,49
